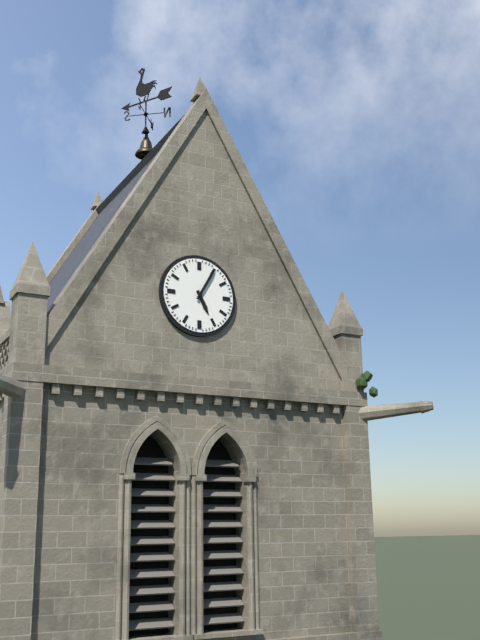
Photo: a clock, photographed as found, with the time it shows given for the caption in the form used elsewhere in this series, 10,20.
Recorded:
5,05
